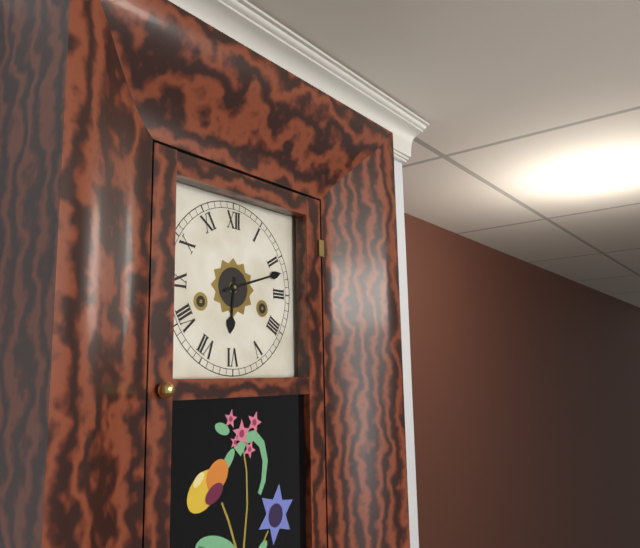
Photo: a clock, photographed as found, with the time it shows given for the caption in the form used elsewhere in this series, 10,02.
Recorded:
6,12
